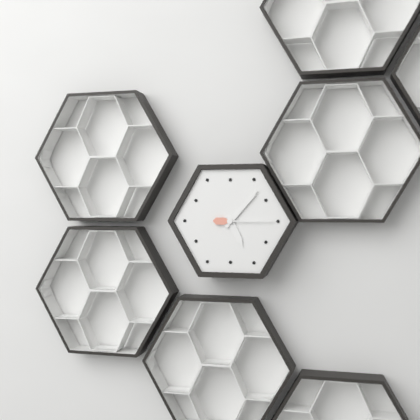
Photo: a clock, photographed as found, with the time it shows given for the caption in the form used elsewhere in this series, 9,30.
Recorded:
5,07
